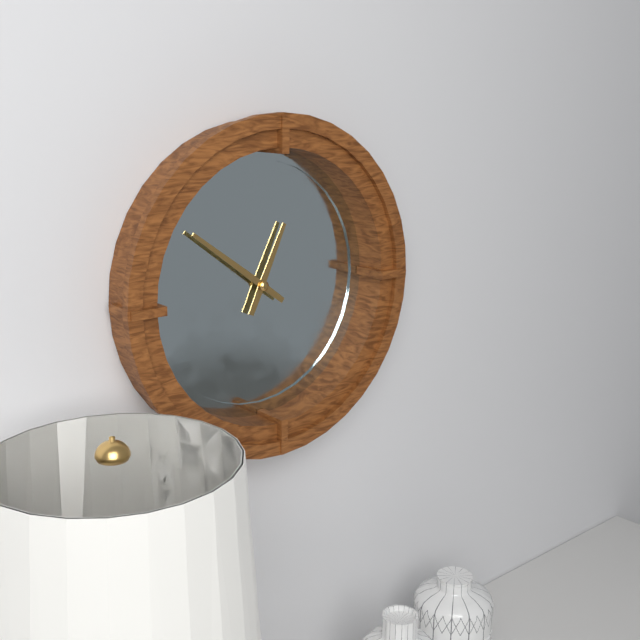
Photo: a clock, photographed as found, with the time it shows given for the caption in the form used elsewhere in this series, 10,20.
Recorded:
12,51
